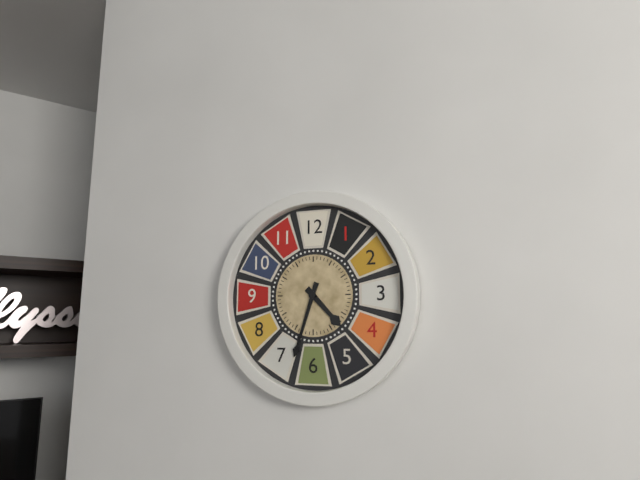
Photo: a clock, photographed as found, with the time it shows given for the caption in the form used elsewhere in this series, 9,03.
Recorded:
4,33
